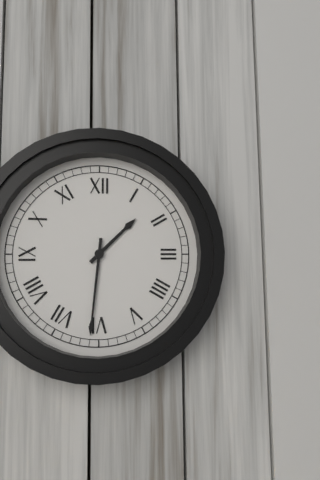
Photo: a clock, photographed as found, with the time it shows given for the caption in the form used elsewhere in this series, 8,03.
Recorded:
1,31
